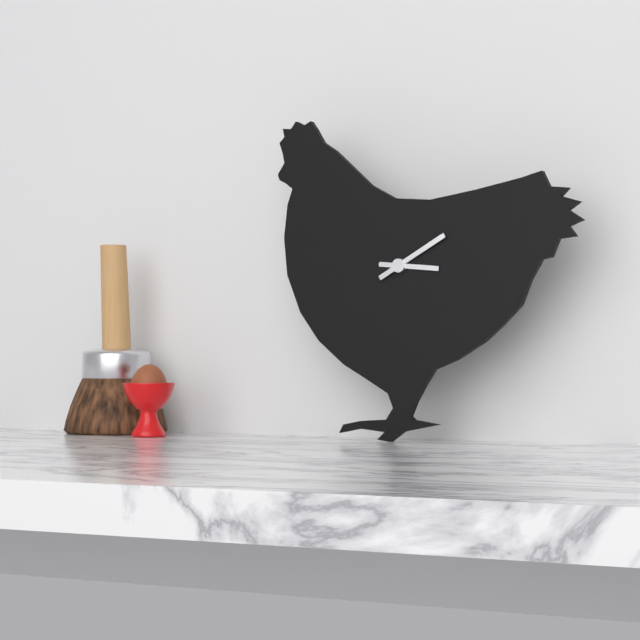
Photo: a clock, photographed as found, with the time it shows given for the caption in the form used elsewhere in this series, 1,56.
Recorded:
3,10
